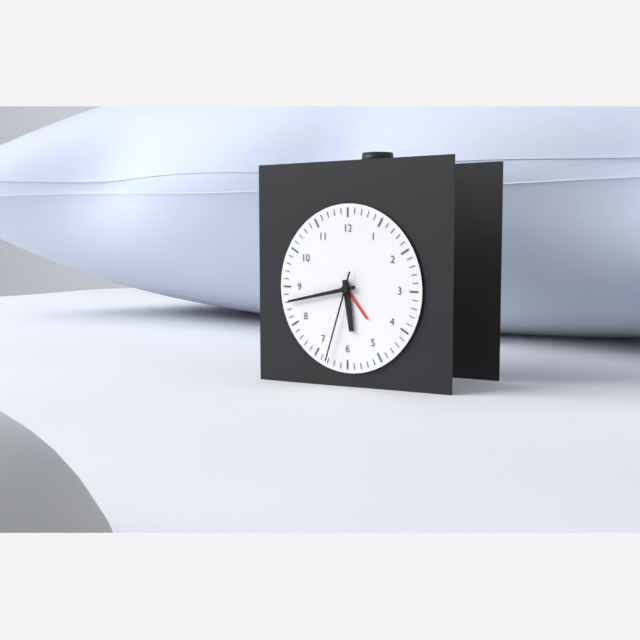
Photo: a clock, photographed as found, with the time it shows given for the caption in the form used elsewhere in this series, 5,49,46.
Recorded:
5,43,33
